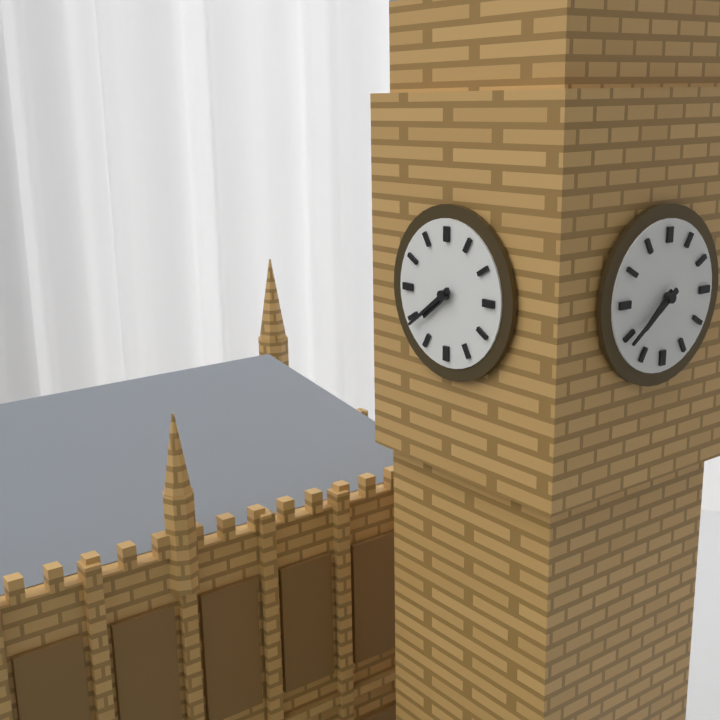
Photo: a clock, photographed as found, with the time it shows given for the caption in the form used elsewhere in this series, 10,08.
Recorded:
7,39
